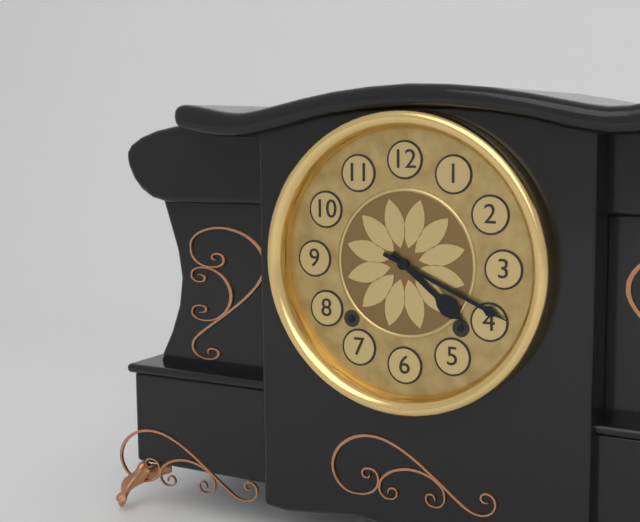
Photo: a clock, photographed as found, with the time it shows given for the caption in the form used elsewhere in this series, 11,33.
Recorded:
4,19
